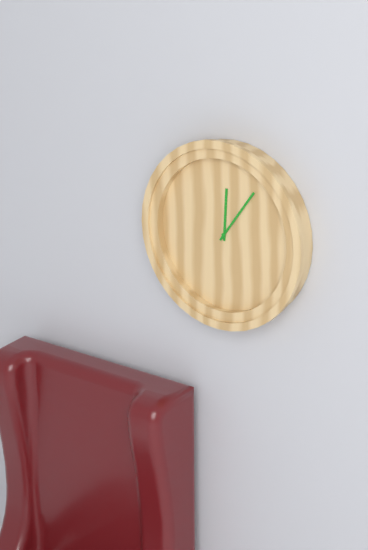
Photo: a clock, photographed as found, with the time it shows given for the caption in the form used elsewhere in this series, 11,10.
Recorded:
12,06
